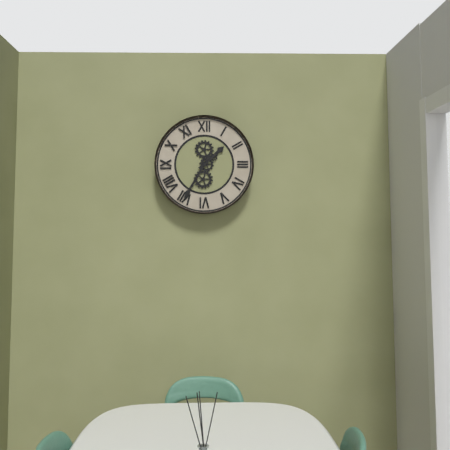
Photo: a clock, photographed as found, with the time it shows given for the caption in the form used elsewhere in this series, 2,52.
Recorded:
1,35
